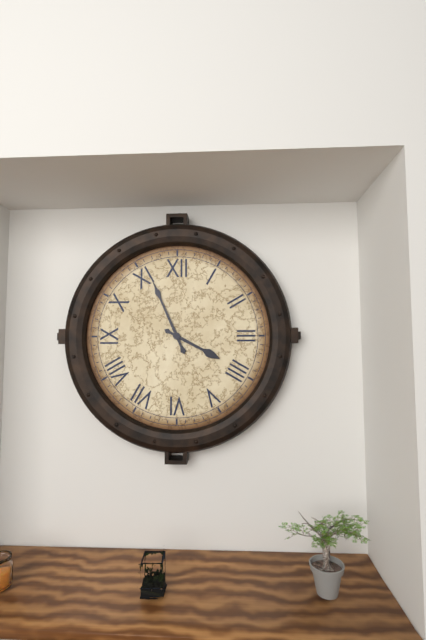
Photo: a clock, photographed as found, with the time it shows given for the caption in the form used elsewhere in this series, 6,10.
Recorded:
3,56
